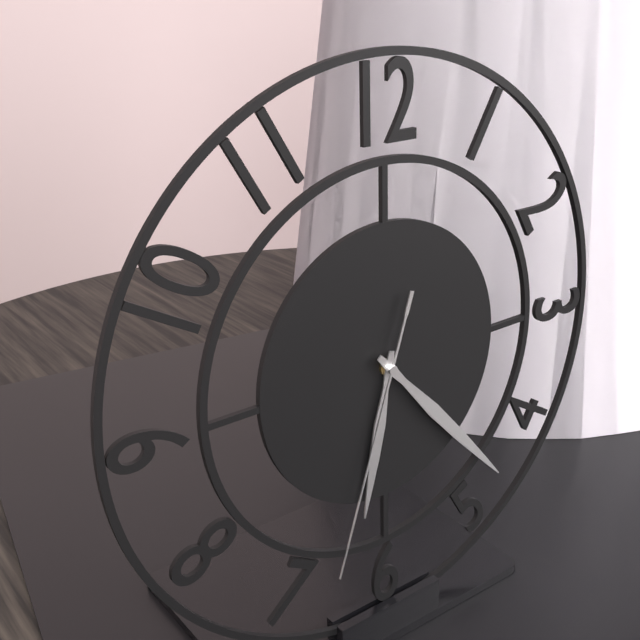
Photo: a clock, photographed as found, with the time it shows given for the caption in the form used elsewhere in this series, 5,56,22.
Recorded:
6,23,33
